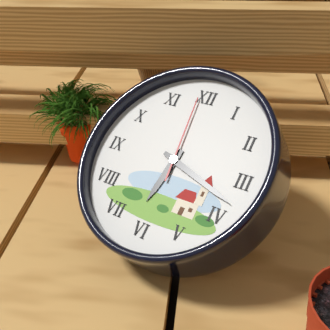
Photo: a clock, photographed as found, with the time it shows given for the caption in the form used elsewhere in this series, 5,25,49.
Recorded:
6,18,59
